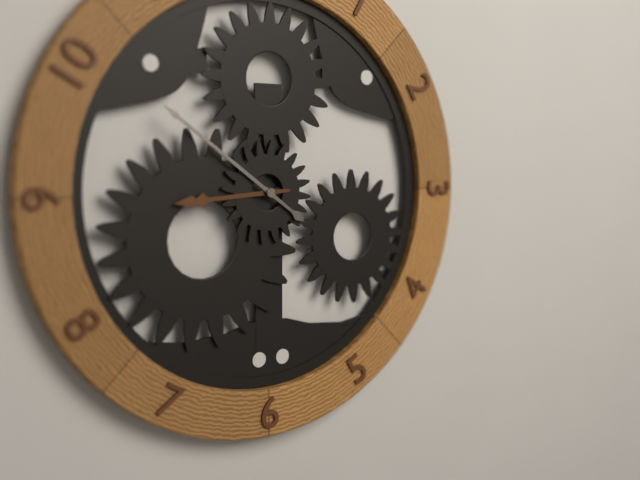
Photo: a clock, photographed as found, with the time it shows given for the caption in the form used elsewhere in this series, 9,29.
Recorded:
8,51
